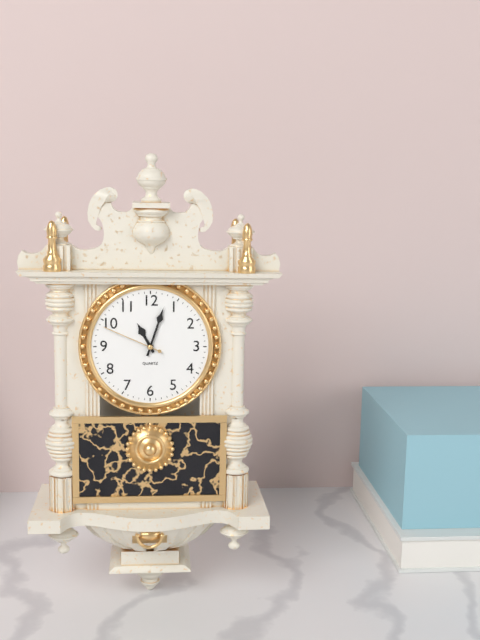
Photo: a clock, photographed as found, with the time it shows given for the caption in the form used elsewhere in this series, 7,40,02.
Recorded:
11,03,49
